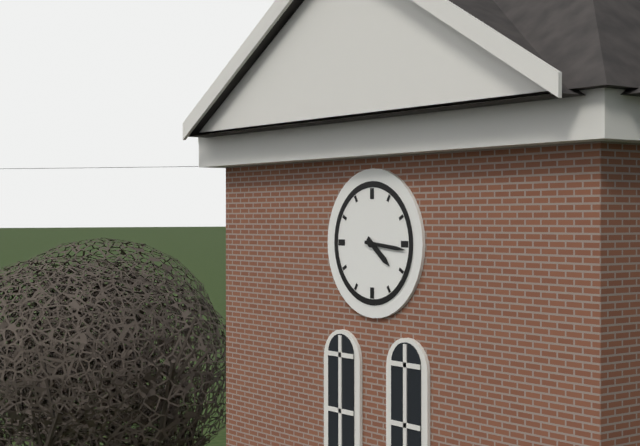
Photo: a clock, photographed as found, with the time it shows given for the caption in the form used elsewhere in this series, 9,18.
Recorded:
4,16
